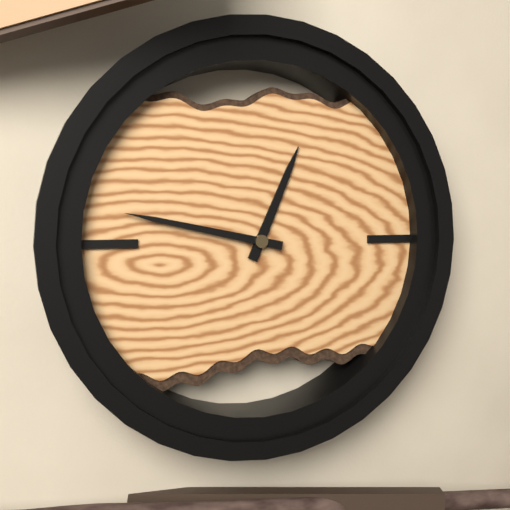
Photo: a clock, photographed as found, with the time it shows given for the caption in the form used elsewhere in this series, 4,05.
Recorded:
12,47
